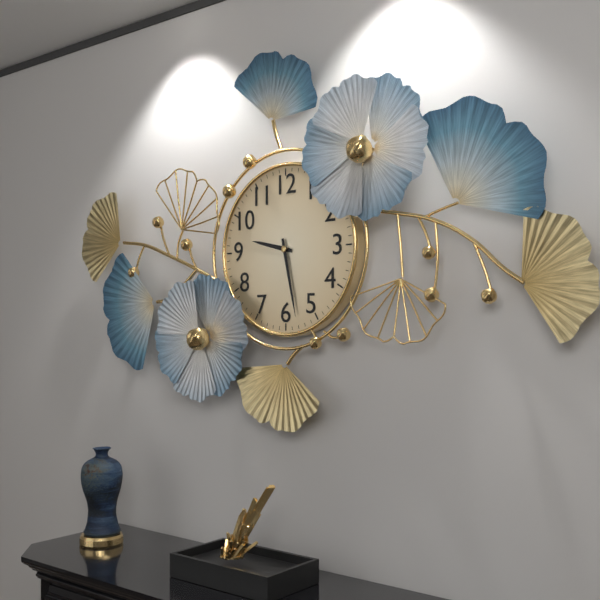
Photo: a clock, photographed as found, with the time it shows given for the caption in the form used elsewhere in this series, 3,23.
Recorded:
9,28
